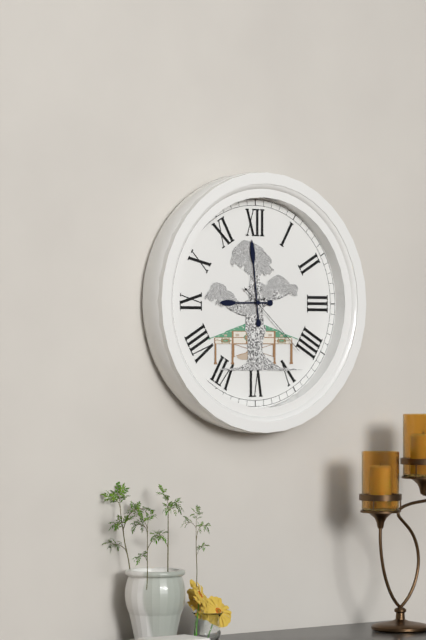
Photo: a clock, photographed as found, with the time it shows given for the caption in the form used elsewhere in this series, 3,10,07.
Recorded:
8,59,22
